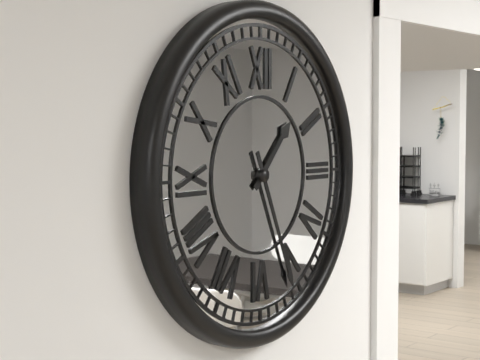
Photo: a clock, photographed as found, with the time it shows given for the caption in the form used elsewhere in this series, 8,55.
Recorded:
1,26
